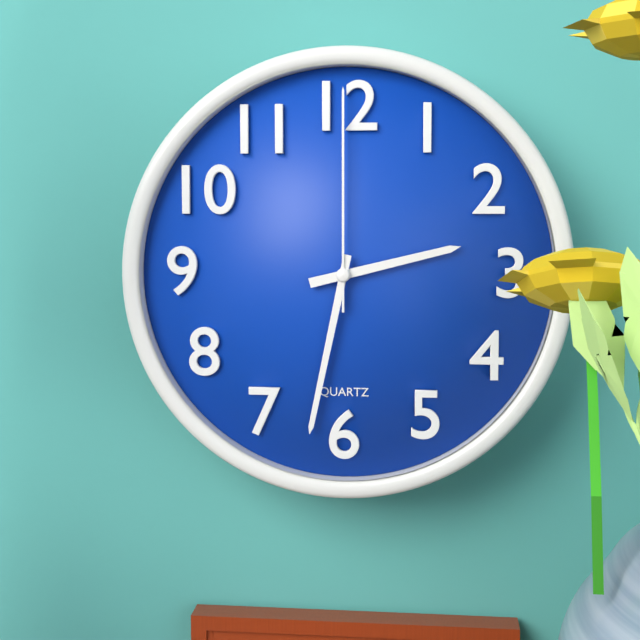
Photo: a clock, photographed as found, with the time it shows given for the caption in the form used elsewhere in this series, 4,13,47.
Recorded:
2,32,00
